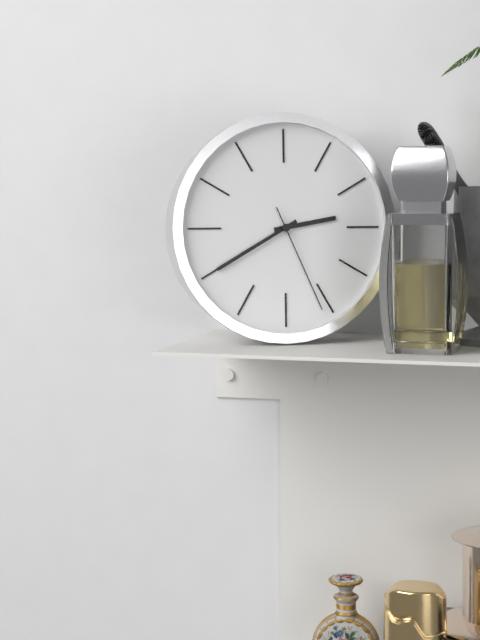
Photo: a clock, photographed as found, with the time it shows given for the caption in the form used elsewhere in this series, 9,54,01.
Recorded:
2,40,26
